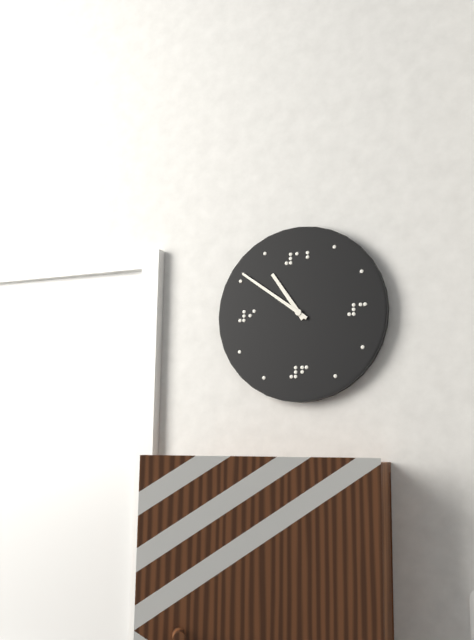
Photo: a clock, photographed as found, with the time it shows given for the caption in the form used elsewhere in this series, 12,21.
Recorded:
10,51
